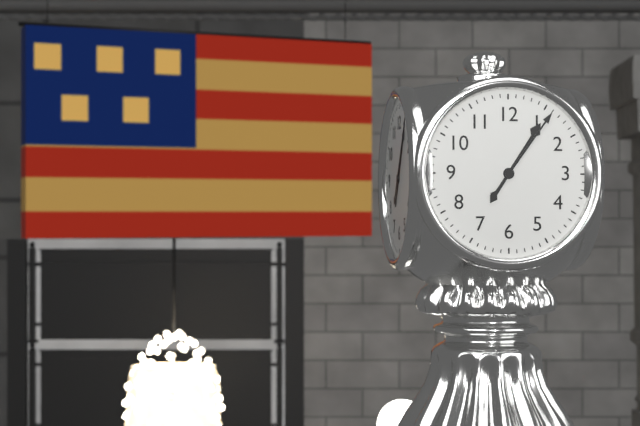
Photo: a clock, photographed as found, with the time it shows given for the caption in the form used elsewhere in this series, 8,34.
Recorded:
1,06
